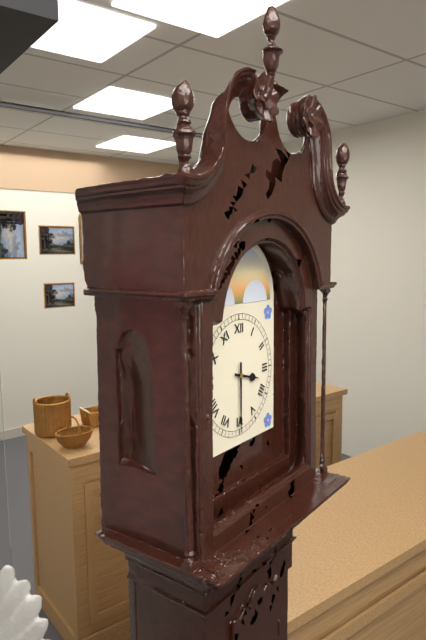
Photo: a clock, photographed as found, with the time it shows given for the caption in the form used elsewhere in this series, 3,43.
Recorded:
3,30
